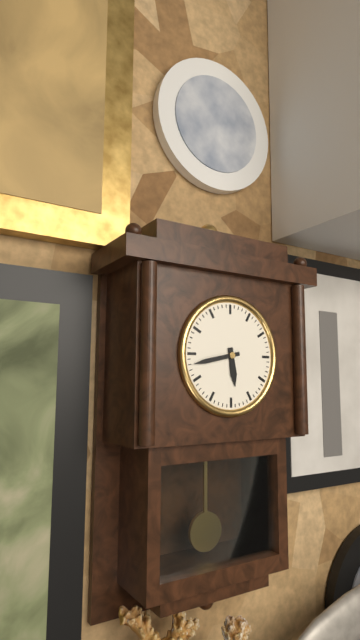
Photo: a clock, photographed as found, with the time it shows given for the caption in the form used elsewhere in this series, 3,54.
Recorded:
5,43
